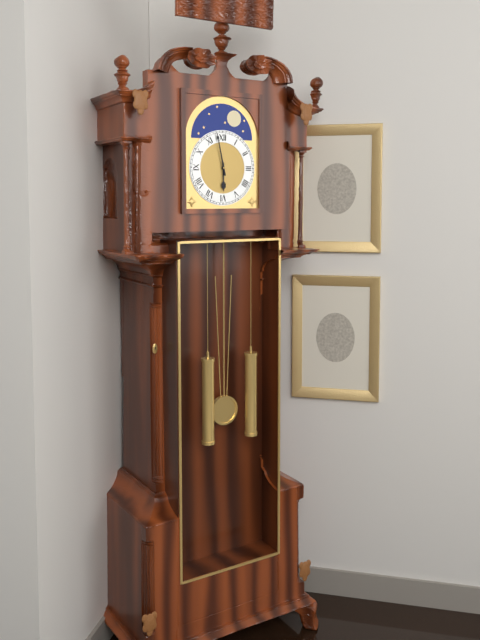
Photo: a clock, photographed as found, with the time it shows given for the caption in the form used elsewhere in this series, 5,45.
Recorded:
5,58
